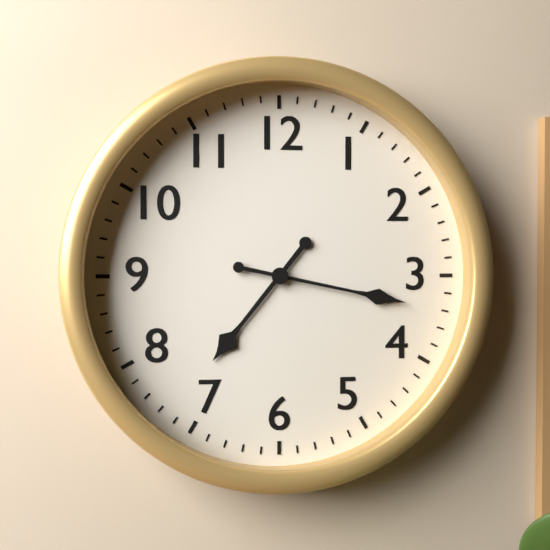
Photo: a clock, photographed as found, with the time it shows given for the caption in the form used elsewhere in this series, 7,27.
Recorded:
7,17
